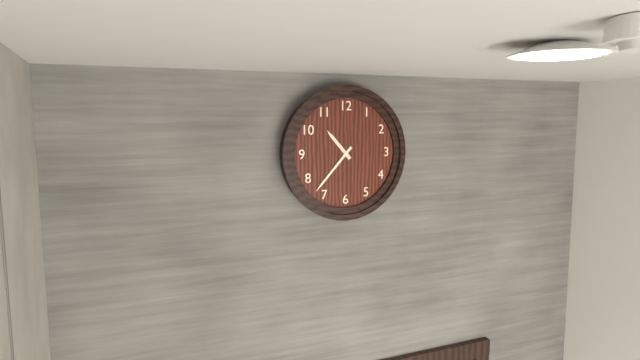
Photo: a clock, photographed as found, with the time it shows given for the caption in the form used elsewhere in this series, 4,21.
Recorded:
10,37
